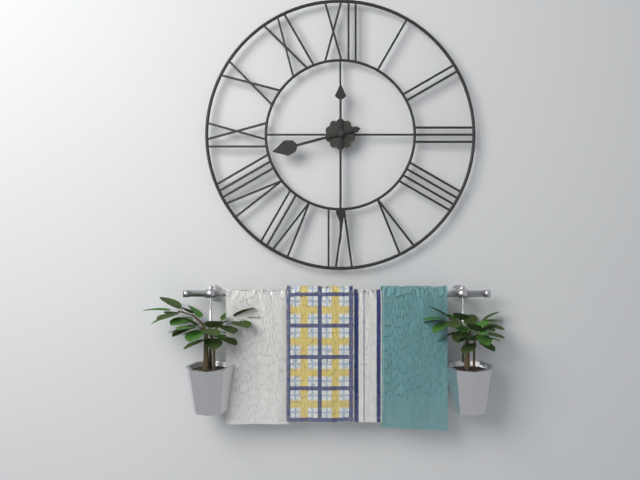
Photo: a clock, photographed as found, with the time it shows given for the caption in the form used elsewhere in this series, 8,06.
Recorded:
8,30
